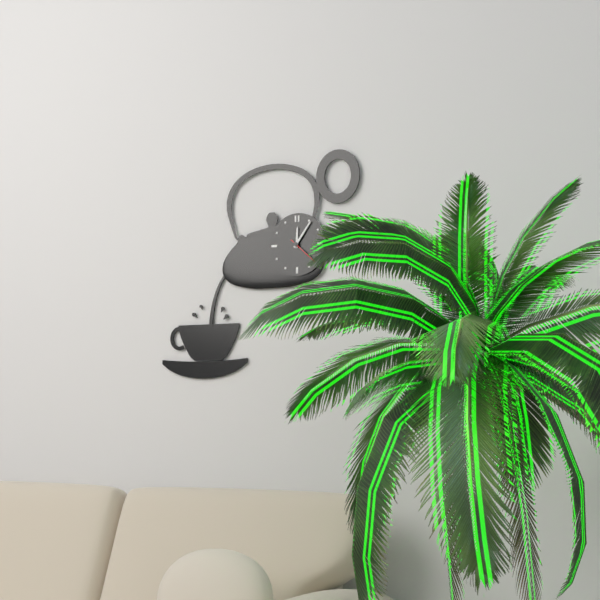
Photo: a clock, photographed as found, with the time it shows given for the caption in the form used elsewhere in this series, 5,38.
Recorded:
12,06
